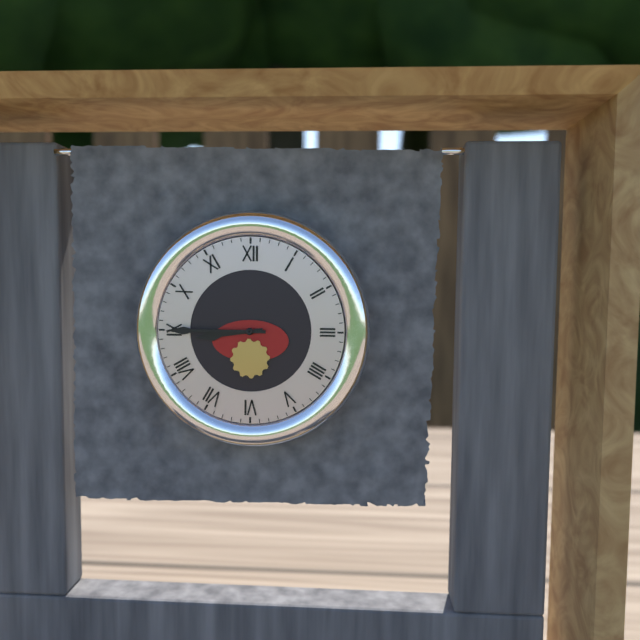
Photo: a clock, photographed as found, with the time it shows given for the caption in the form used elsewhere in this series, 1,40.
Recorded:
8,45
